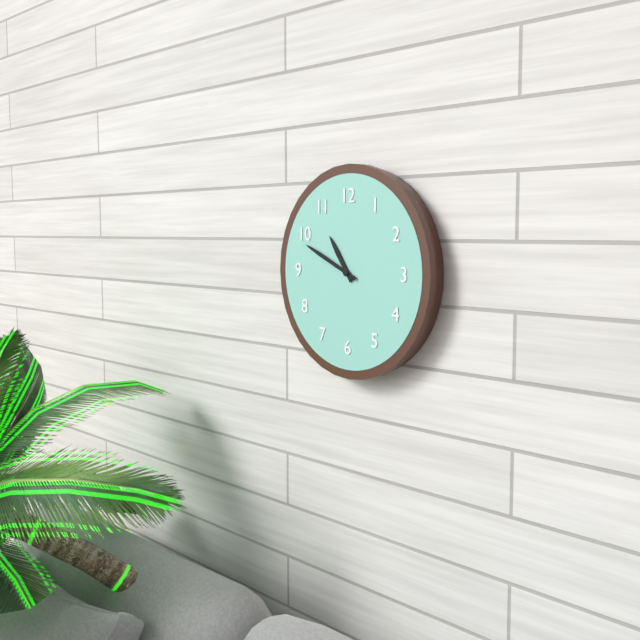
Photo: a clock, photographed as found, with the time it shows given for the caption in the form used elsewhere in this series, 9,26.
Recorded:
10,49
